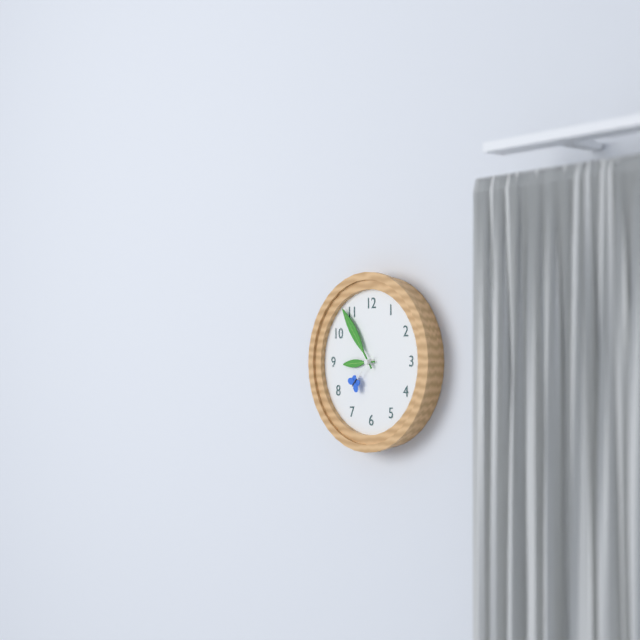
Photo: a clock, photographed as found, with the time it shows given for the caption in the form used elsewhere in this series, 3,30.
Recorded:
8,54
